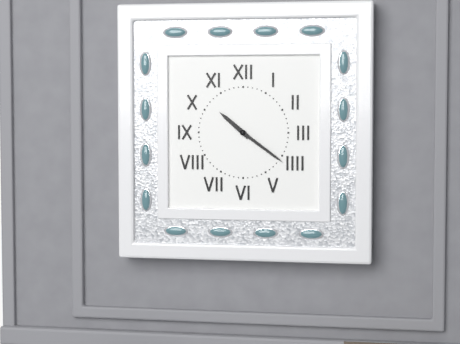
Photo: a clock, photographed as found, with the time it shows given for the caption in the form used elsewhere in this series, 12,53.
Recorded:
10,21
